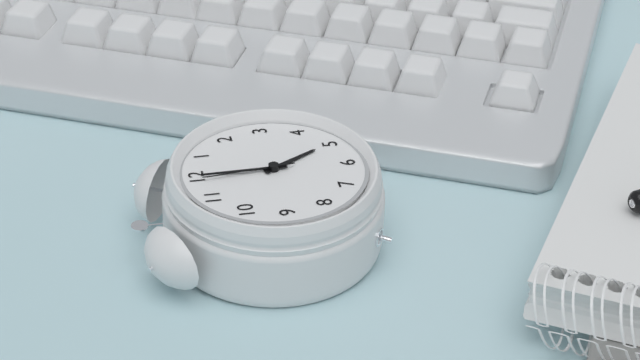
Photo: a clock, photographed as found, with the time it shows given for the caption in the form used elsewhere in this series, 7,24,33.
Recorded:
5,00,59
